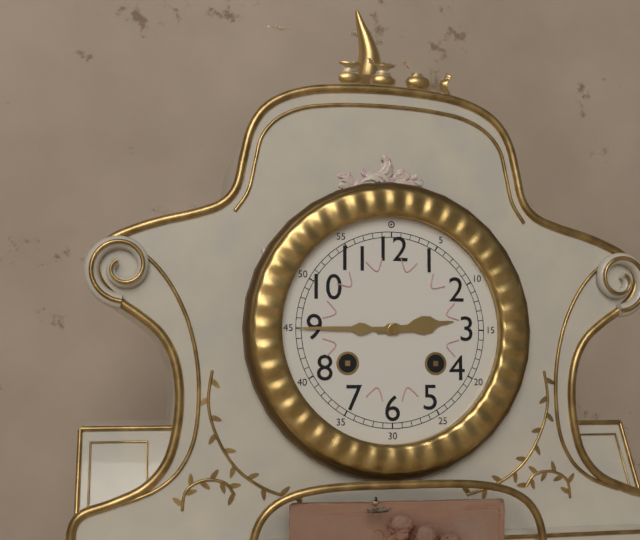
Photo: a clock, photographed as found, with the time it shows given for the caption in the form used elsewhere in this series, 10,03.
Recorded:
2,45
